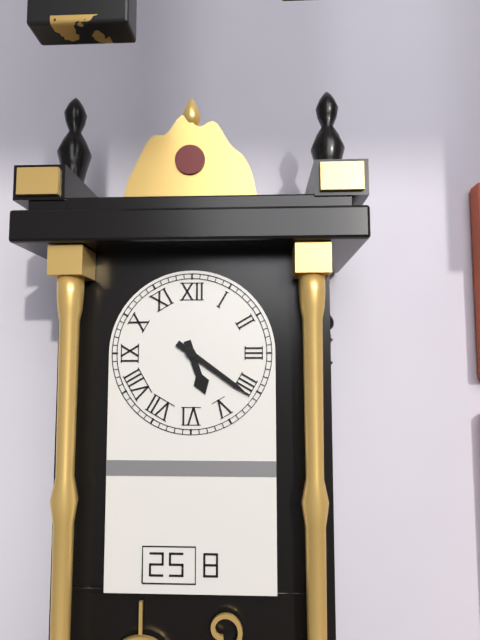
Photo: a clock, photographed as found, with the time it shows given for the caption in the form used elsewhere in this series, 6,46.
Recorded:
5,21
